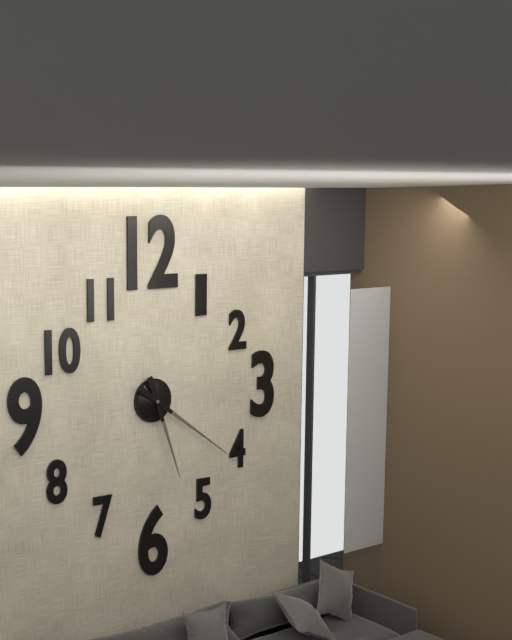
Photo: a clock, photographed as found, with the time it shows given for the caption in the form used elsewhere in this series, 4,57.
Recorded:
5,21
